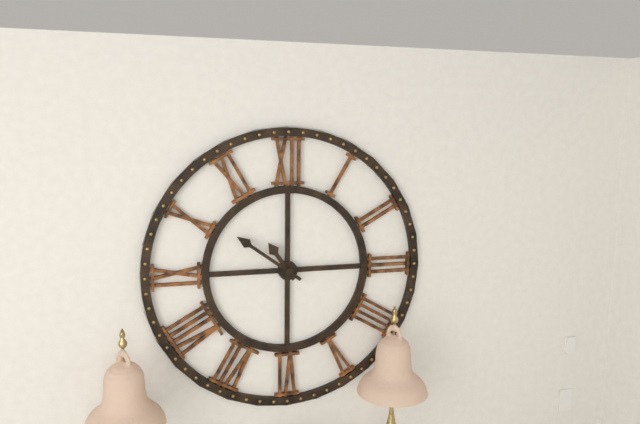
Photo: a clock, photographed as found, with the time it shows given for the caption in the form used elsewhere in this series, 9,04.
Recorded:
10,51
